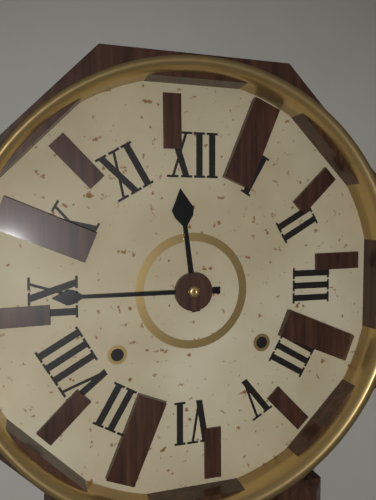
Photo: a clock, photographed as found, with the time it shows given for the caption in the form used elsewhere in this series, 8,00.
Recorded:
11,45
